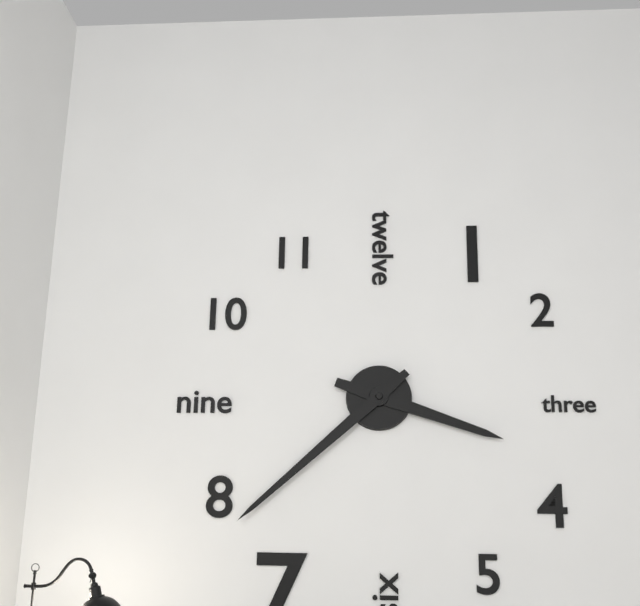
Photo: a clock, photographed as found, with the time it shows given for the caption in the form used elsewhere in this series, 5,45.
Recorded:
3,38
